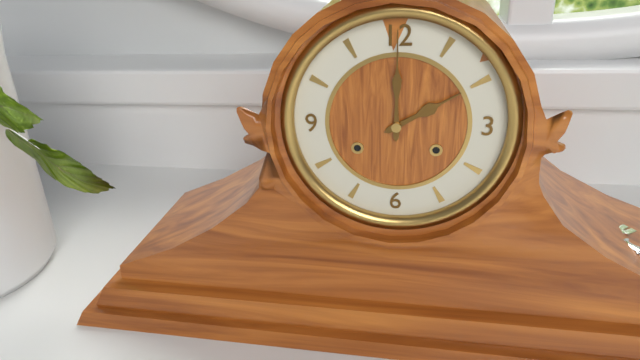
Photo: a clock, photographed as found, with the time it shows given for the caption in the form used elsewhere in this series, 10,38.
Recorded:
2,00
